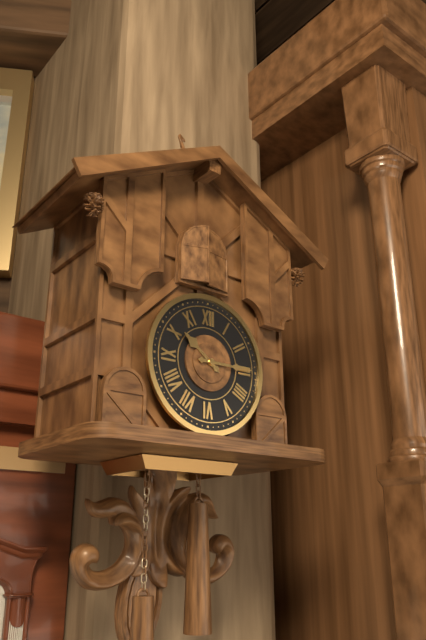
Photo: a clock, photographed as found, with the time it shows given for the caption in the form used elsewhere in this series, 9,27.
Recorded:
10,15
